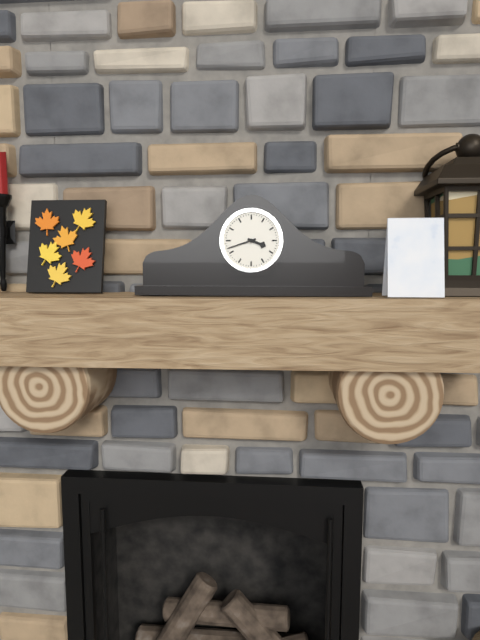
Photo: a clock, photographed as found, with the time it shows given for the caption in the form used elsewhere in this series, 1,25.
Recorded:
3,42
